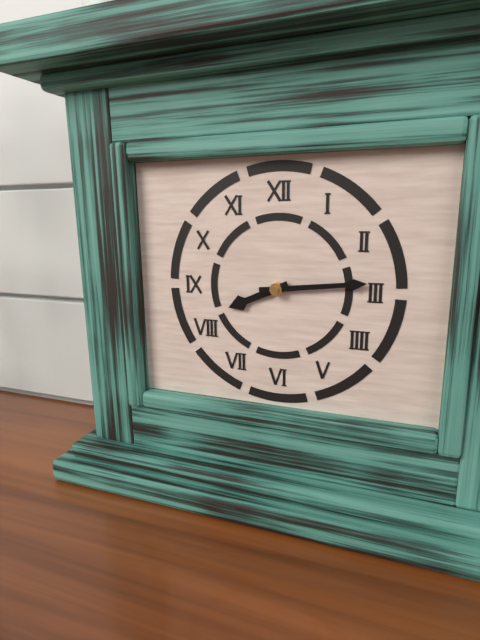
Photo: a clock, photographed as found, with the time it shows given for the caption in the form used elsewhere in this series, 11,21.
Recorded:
8,14
